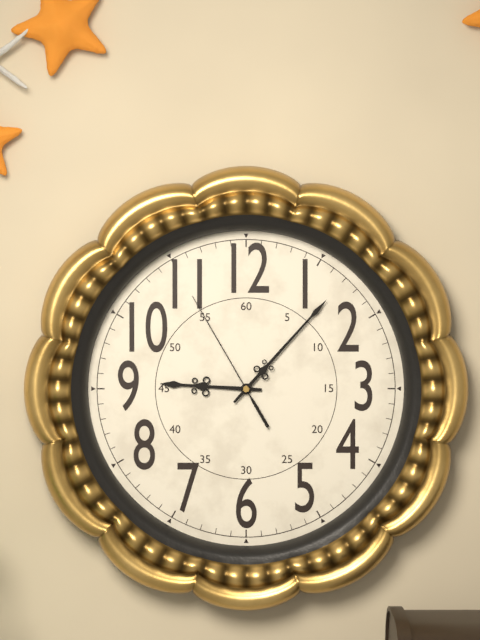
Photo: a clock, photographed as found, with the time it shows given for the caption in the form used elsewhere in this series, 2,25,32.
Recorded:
9,07,55
